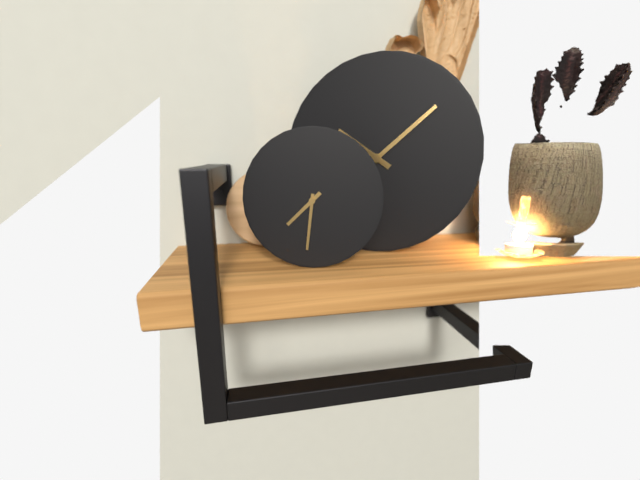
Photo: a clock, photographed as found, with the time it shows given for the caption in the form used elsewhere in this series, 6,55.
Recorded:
7,31
